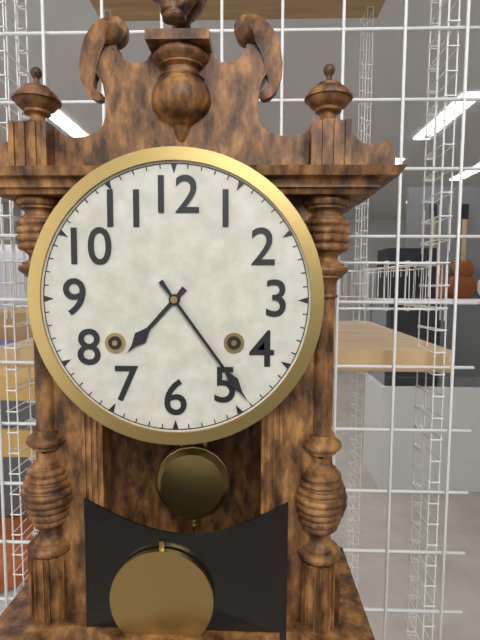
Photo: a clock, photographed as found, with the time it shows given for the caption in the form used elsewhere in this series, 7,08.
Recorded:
7,24
